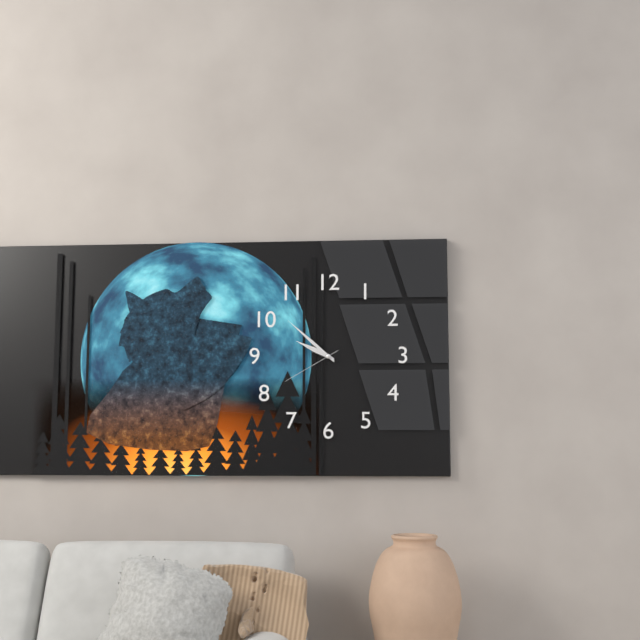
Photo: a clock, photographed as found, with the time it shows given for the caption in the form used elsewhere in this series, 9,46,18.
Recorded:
9,52,40
